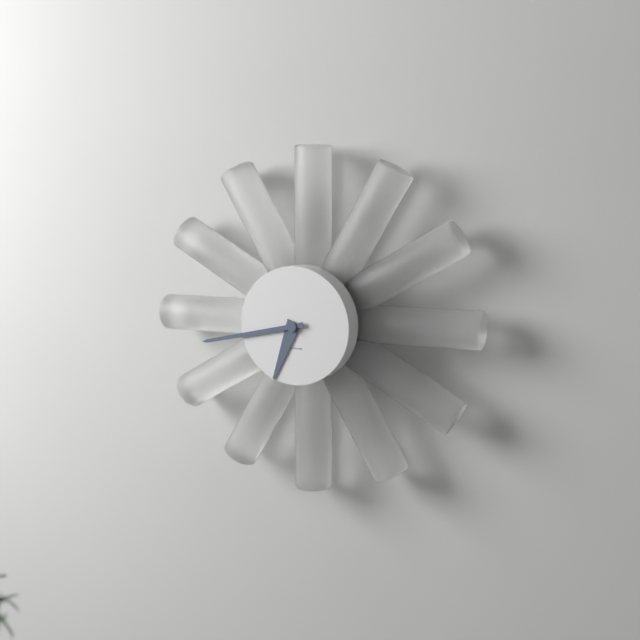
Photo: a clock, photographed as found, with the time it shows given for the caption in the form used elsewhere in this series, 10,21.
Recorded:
6,43
